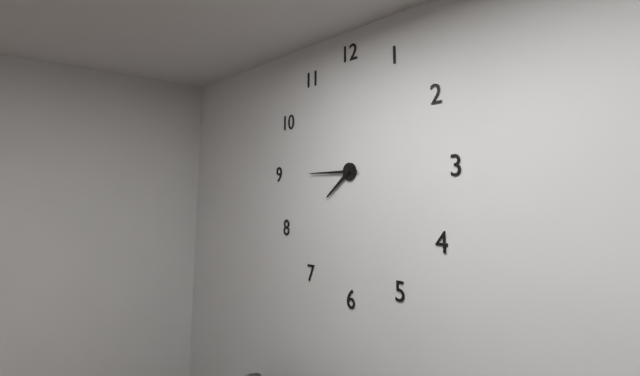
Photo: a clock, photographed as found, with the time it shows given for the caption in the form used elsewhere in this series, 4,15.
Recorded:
7,45
